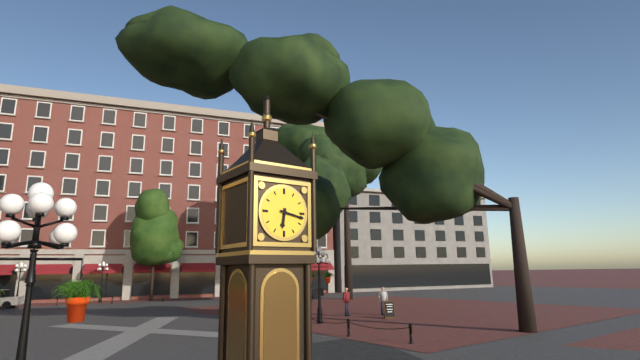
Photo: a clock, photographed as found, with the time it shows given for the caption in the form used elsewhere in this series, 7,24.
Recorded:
6,17
